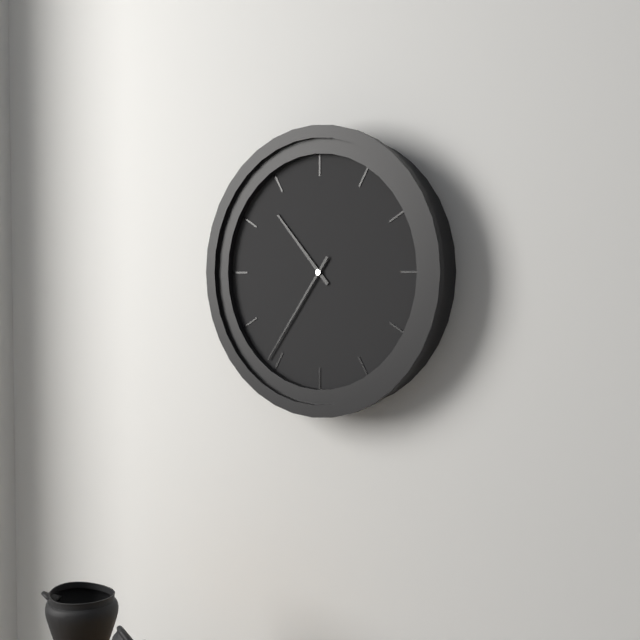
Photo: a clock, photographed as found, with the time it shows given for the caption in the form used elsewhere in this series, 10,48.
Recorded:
10,36
